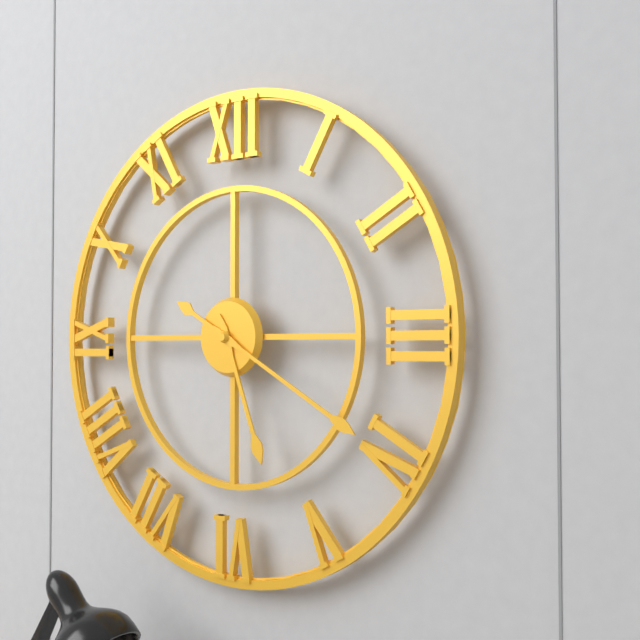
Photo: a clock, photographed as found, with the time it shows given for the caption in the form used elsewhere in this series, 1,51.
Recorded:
5,20
